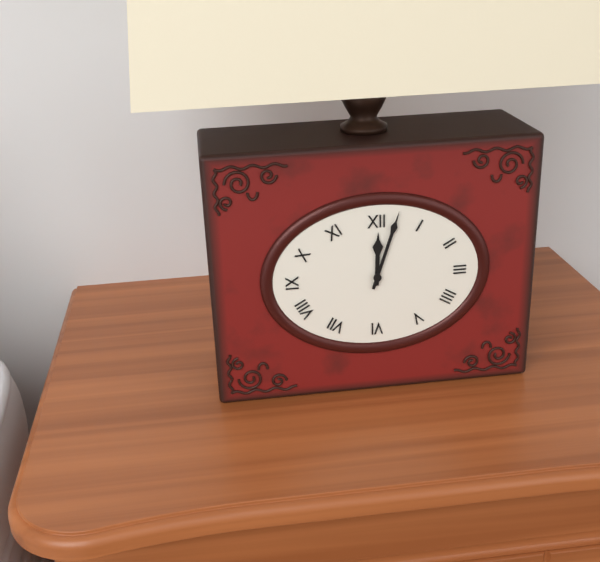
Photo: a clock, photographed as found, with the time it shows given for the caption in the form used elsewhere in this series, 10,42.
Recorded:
12,03
